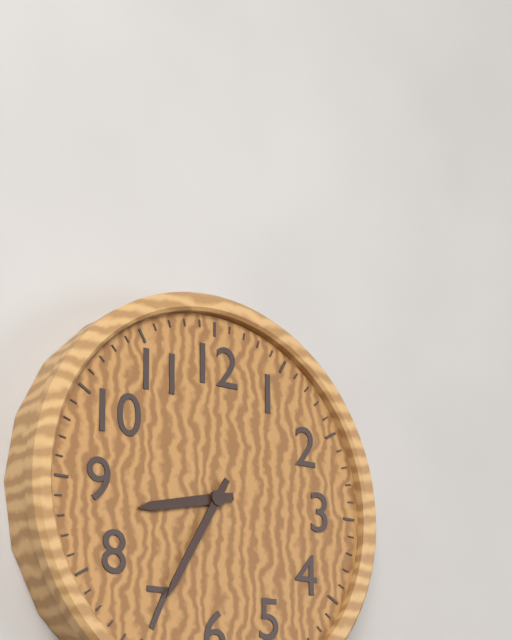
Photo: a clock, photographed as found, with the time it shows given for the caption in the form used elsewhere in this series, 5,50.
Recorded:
8,35
